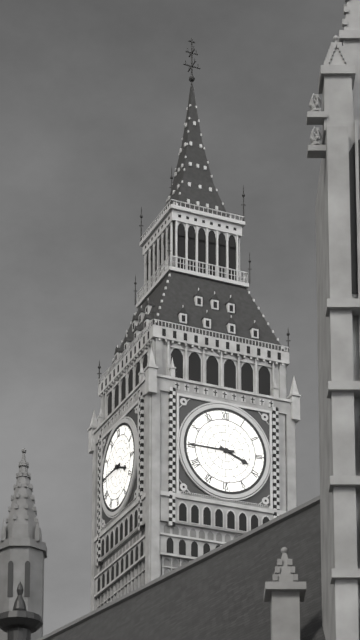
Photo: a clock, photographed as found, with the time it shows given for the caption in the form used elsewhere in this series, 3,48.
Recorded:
3,45
